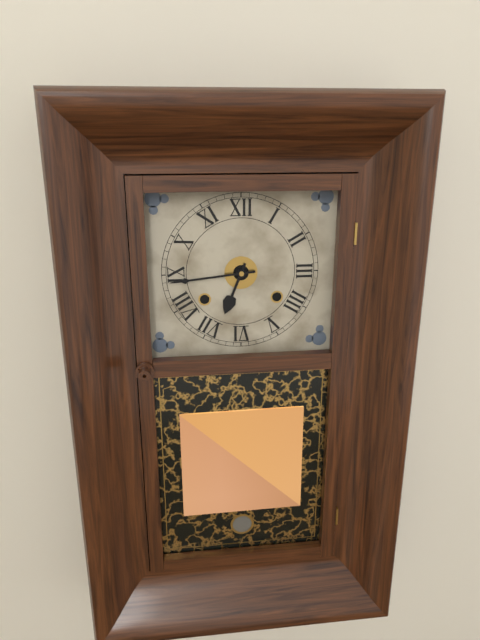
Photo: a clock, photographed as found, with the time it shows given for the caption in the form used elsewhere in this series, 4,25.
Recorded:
6,44
